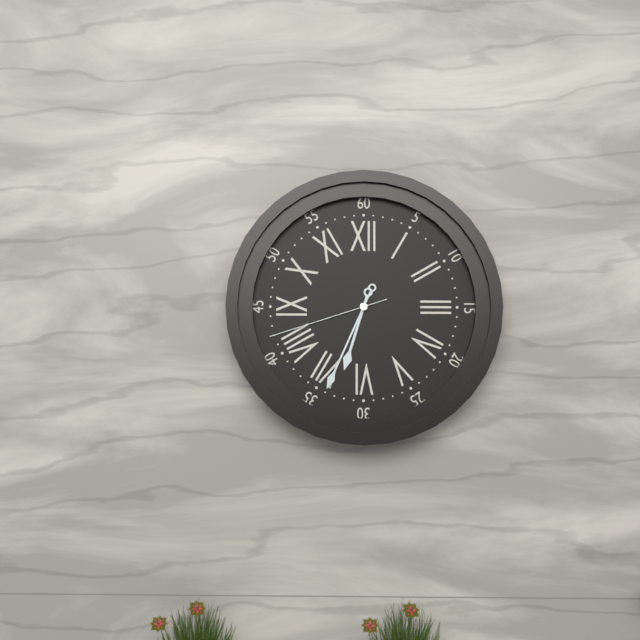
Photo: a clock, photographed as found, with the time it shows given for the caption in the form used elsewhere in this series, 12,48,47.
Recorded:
6,34,42
